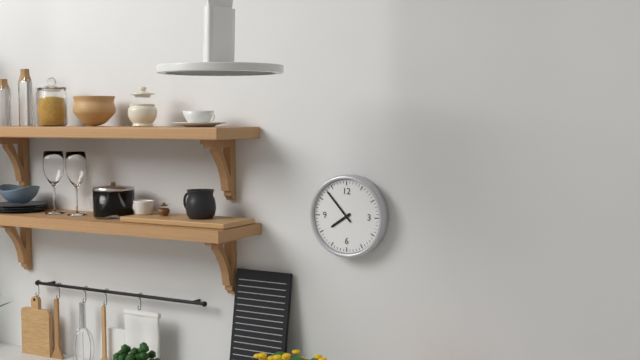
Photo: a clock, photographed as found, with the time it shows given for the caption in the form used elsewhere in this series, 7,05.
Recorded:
7,53
